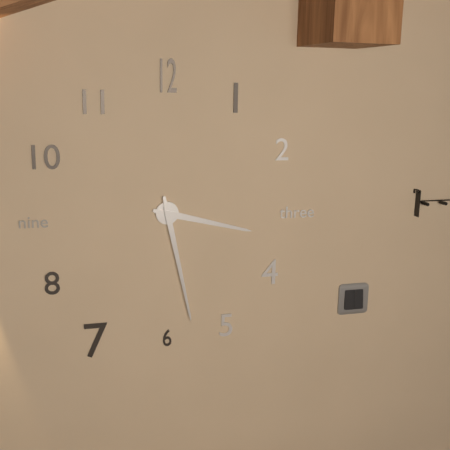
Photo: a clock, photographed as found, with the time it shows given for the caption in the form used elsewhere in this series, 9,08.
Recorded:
3,28
